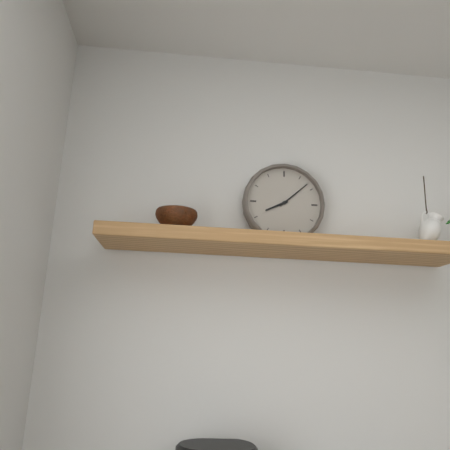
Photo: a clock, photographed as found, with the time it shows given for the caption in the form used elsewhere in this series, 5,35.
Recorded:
8,08
